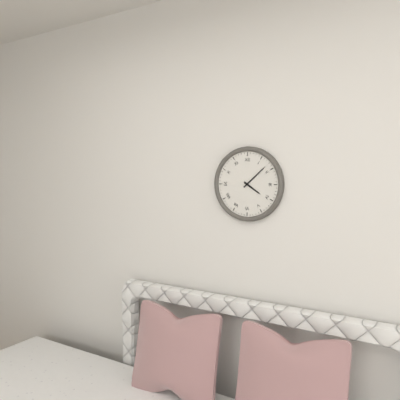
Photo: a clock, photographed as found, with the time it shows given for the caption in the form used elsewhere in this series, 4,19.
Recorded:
4,08
